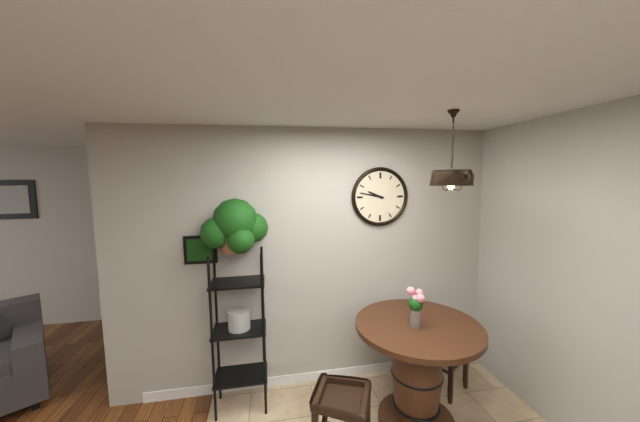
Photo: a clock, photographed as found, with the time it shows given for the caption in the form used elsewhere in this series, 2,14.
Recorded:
9,47
